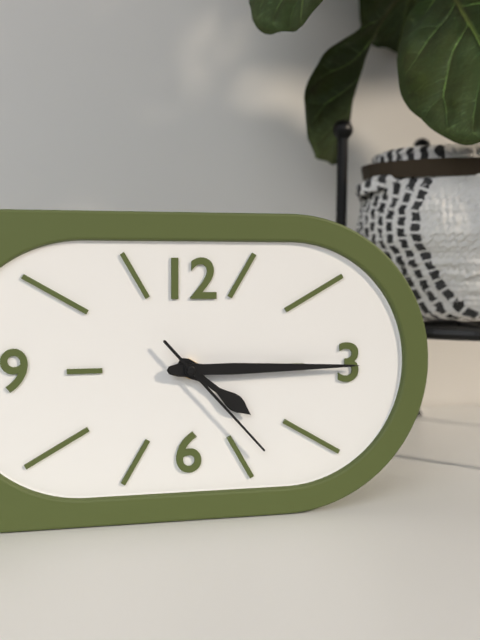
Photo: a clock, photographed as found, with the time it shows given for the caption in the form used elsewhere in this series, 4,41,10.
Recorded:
4,15,23
